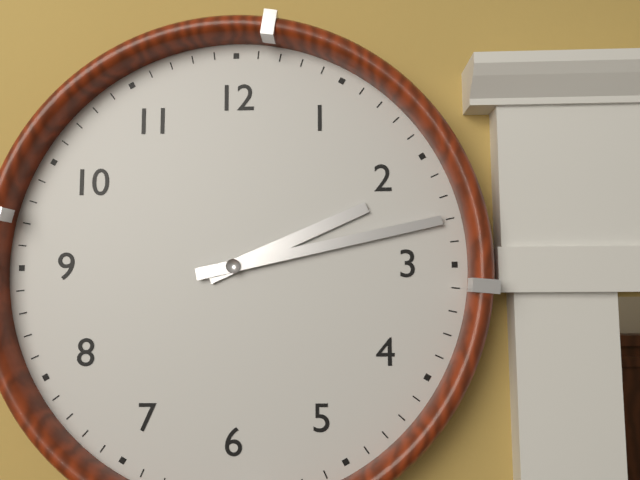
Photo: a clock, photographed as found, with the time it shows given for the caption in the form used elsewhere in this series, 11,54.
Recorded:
2,13
